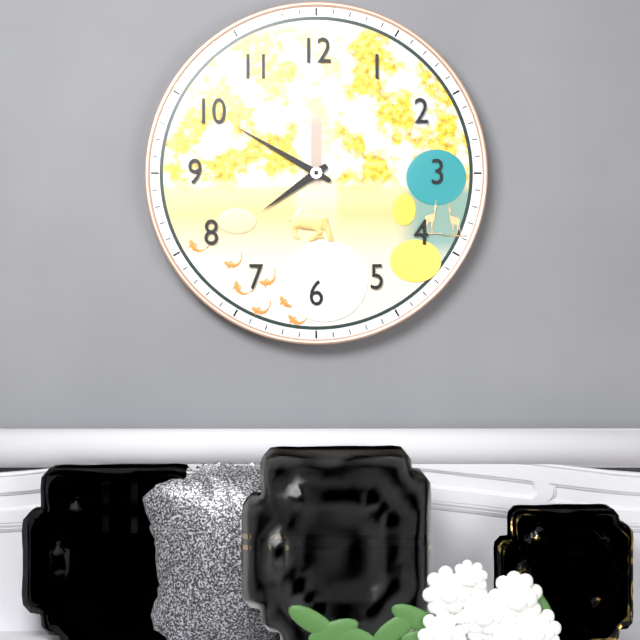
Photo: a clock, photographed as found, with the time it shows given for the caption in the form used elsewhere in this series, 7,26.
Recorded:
7,50
